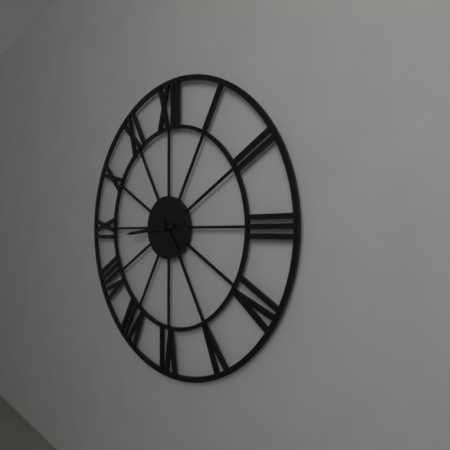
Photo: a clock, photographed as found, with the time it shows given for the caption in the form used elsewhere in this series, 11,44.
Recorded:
4,44
